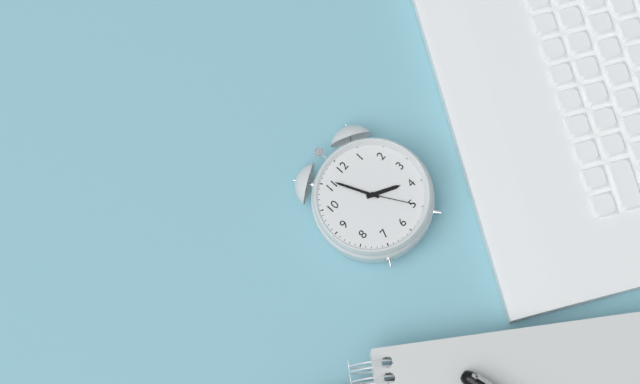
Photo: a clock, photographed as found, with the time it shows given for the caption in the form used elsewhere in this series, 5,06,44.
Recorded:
3,56,25
